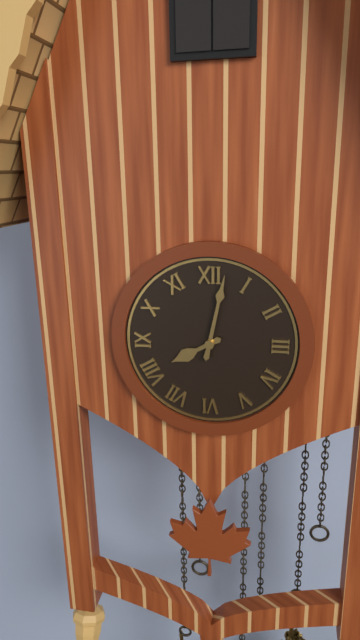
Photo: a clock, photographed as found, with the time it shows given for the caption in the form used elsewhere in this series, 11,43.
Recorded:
8,02
